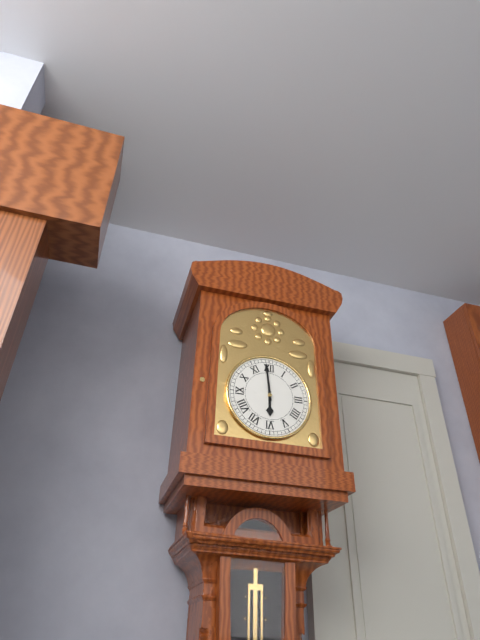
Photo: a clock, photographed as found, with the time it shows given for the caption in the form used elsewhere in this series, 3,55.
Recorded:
5,59
